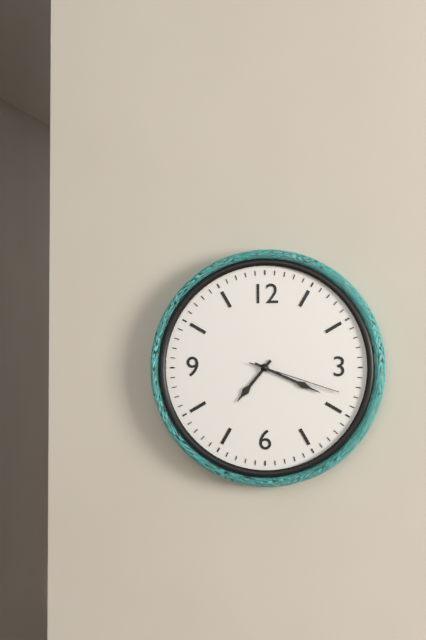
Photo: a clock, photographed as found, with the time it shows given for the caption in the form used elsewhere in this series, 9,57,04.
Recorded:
7,19,18
